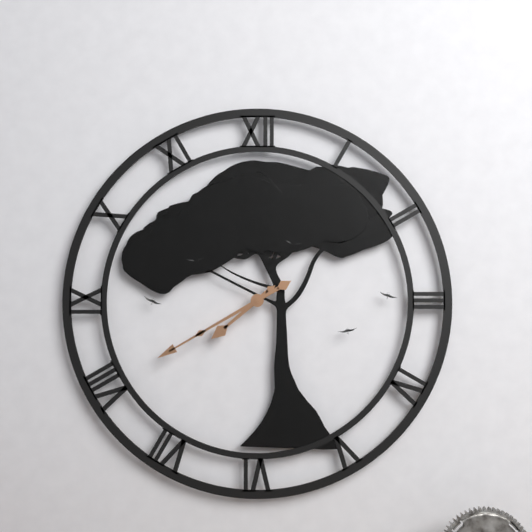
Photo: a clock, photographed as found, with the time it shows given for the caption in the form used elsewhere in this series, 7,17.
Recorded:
7,40
